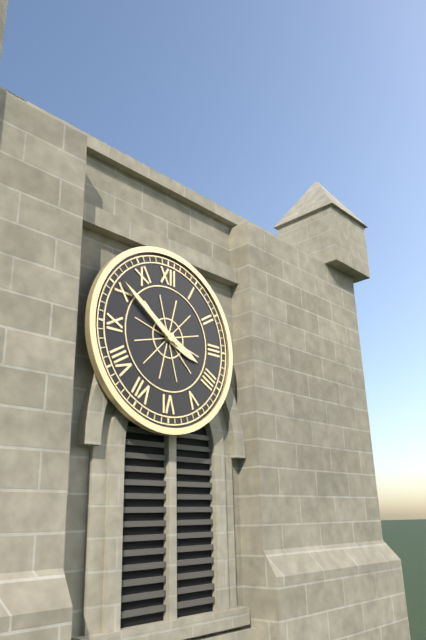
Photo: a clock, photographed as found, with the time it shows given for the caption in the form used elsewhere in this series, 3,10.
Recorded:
3,51
